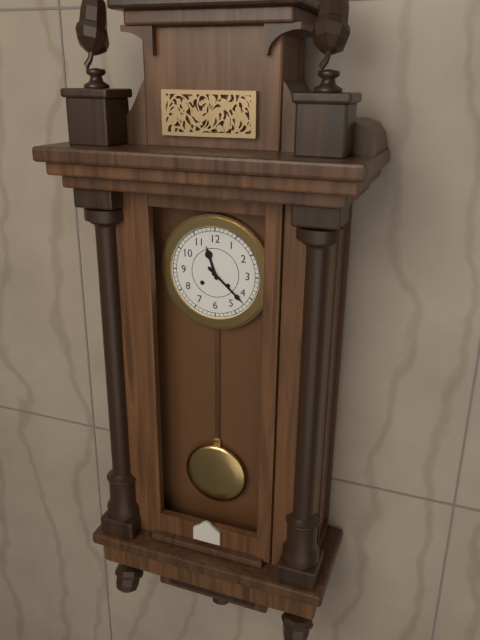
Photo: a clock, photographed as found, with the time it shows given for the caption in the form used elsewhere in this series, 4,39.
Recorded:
11,22
